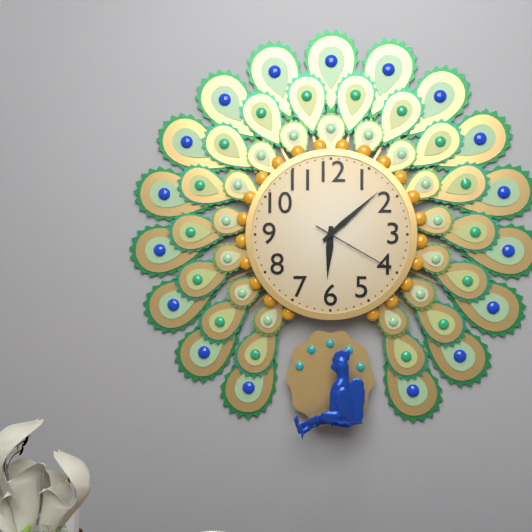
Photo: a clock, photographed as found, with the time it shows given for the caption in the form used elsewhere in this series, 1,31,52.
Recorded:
6,08,20
